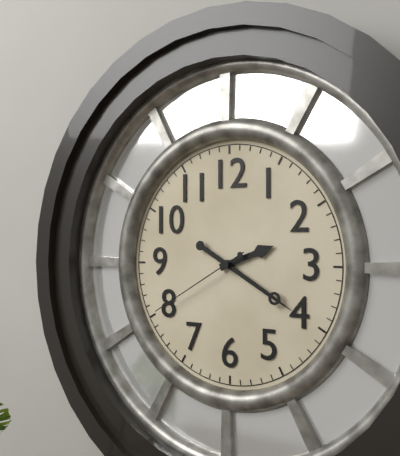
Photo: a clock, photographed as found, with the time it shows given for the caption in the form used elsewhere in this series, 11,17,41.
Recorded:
2,20,40
